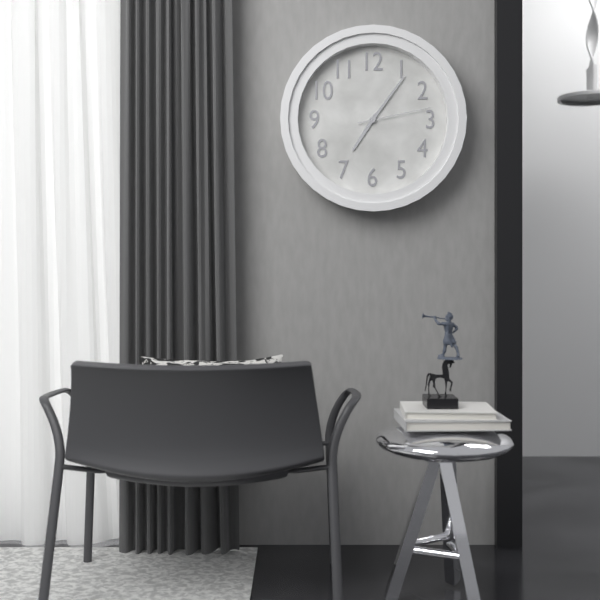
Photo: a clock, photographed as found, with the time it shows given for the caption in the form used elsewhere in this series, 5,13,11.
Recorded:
7,06,13
